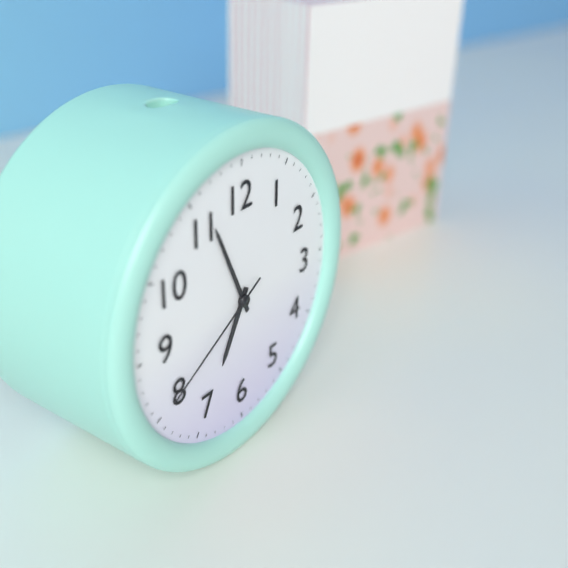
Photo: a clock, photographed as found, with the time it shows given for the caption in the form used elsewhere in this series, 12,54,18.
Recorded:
6,56,40
